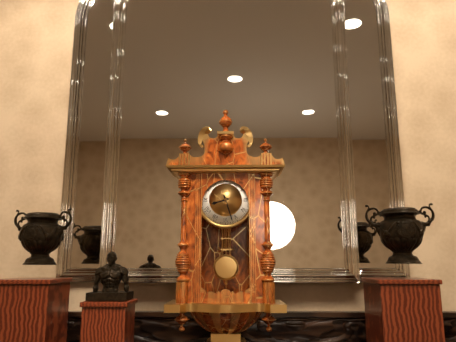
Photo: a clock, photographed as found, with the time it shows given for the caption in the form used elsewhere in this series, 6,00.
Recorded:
8,27
